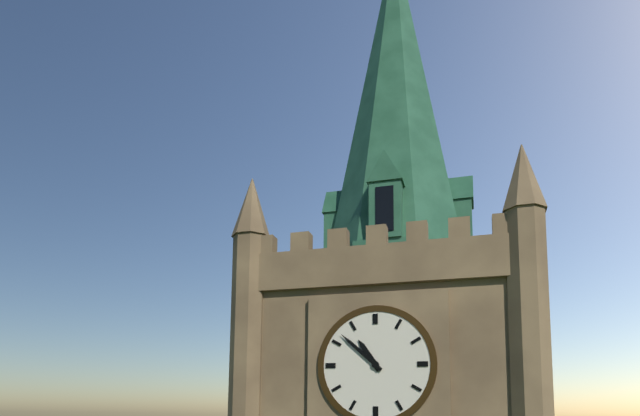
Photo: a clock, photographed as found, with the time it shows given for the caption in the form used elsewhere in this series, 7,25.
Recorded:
10,52
